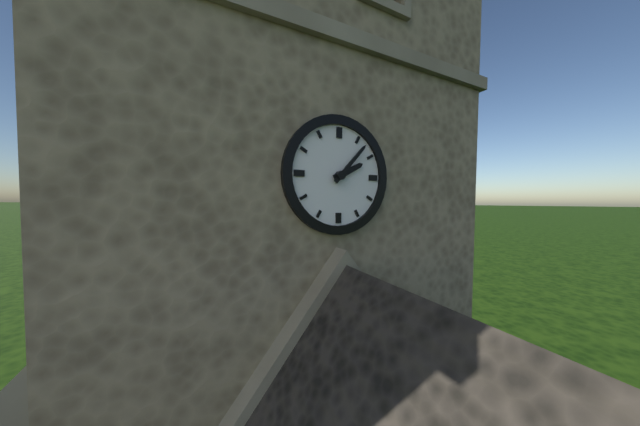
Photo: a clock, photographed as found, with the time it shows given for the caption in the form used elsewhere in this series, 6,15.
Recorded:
2,07
